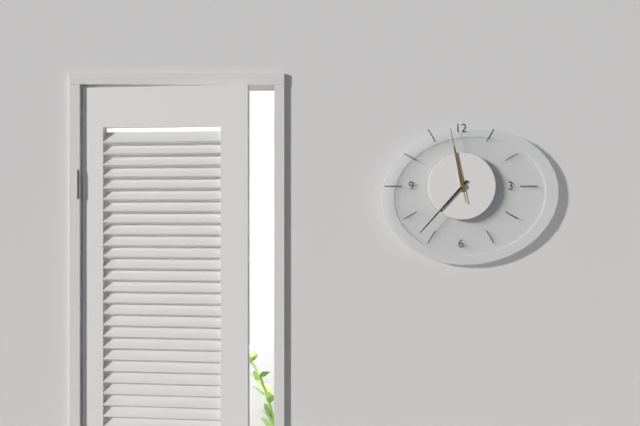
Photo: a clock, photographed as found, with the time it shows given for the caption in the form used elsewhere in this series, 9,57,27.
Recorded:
11,37,58
